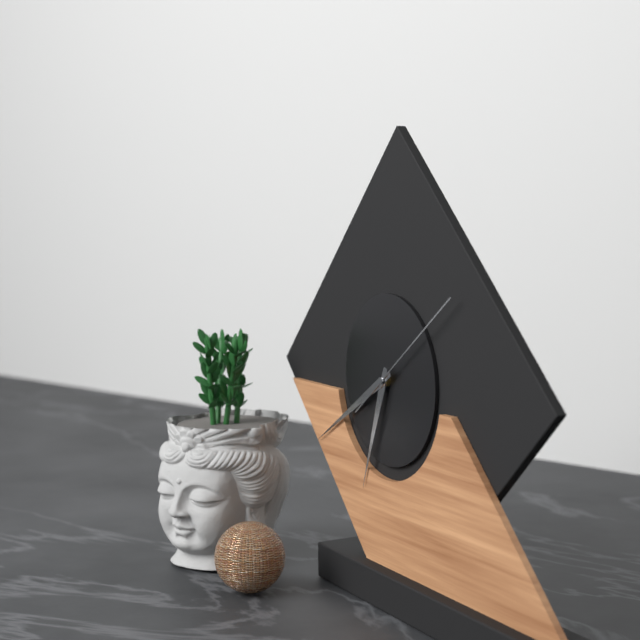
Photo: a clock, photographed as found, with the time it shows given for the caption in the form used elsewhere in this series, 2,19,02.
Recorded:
6,40,09
